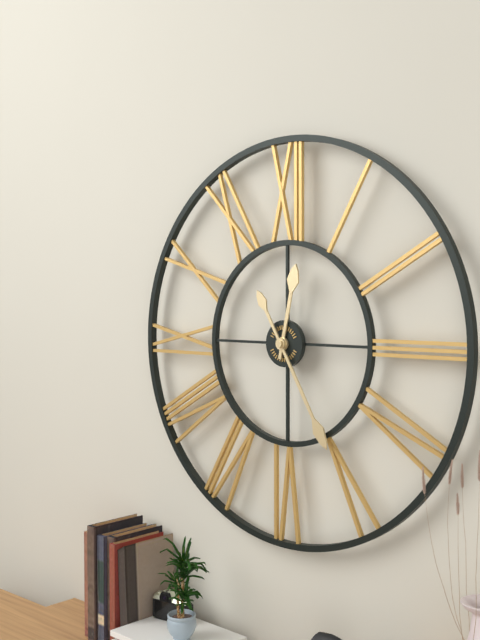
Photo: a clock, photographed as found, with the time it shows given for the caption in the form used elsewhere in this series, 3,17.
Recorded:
12,25
